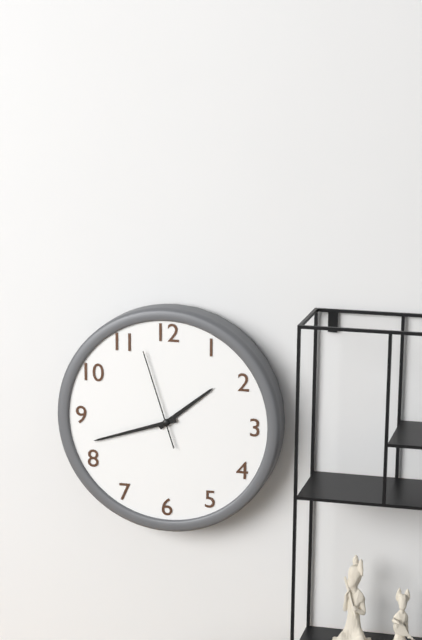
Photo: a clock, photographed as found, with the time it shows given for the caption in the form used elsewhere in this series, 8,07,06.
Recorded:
1,42,57
